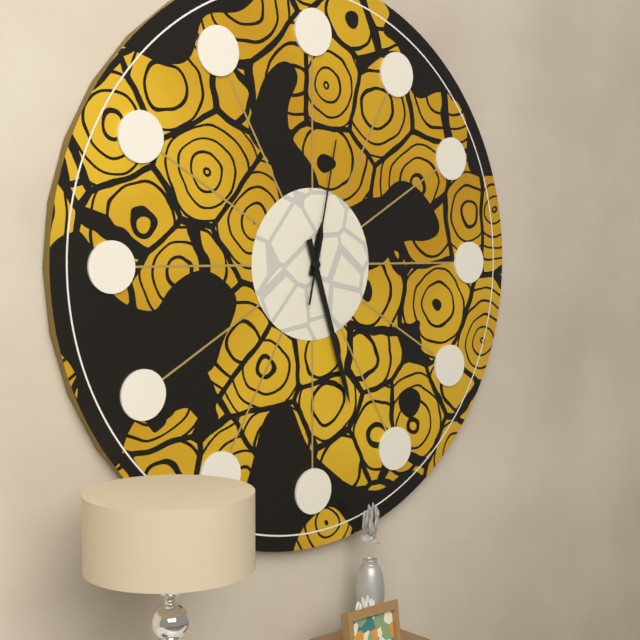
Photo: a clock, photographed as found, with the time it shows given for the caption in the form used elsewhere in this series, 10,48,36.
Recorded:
12,27,02
